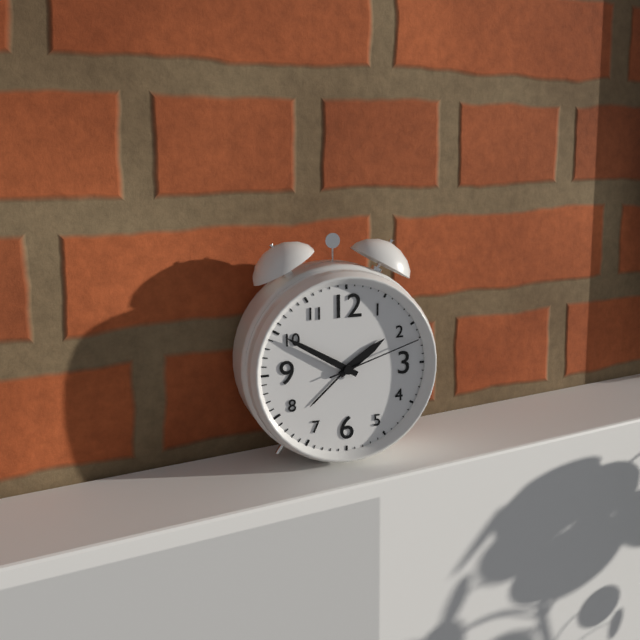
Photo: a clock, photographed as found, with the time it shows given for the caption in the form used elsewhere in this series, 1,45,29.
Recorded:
1,50,12
